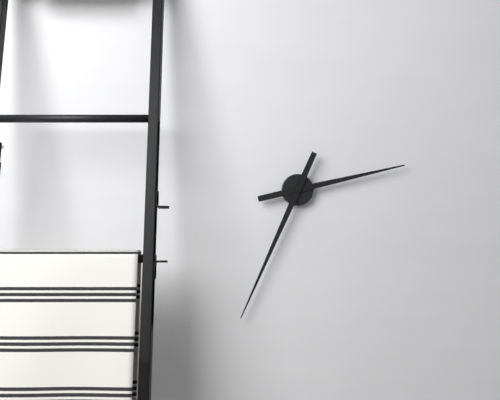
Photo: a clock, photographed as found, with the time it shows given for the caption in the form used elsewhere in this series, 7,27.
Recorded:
2,34
